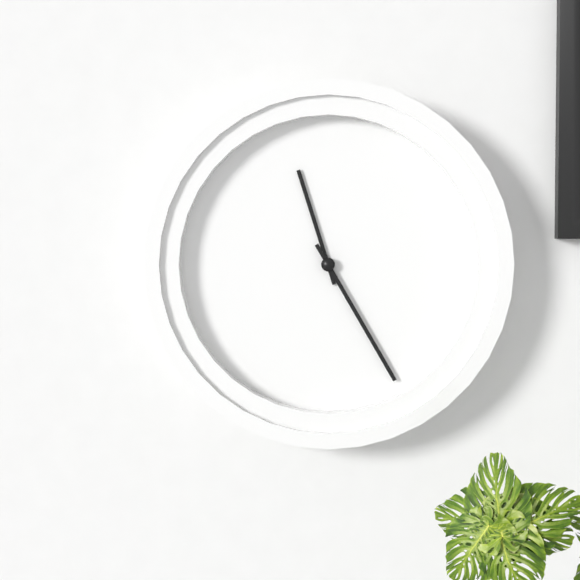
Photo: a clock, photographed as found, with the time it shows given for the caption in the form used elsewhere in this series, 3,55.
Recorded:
11,25
